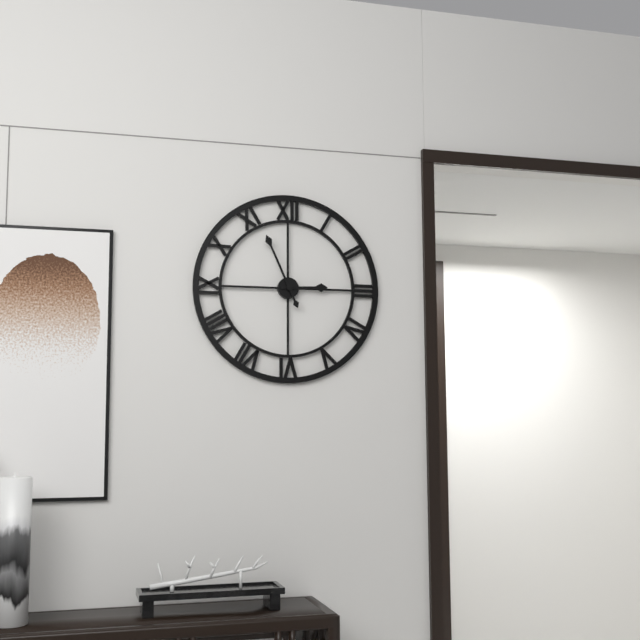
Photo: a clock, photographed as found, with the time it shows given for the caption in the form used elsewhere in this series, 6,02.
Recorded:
2,56
